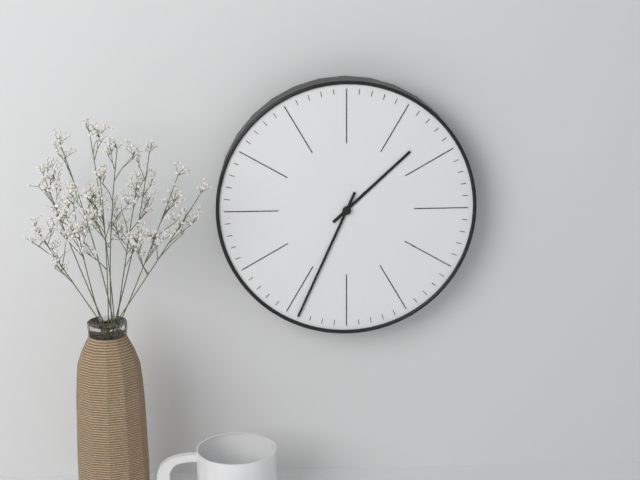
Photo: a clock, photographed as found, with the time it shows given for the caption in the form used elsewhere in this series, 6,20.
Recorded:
1,34
